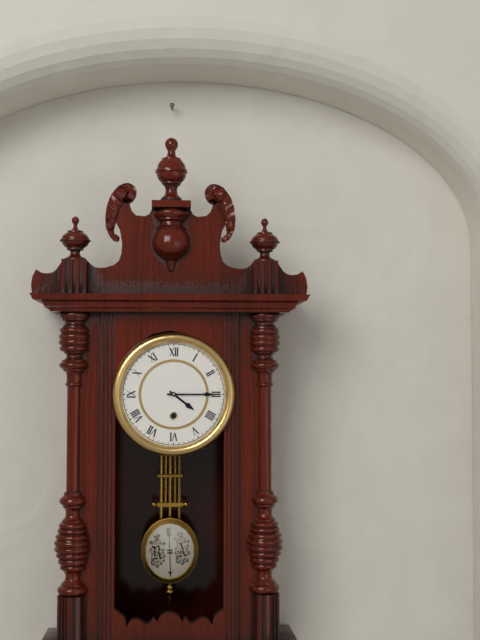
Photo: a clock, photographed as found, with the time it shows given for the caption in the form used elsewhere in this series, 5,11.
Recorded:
4,15
